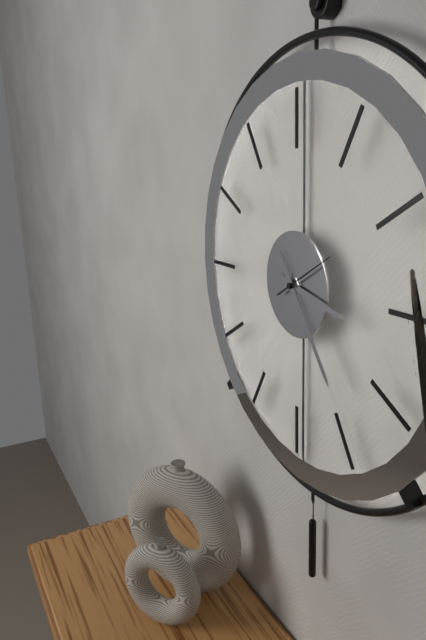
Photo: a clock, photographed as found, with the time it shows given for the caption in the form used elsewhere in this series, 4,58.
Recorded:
3,24
